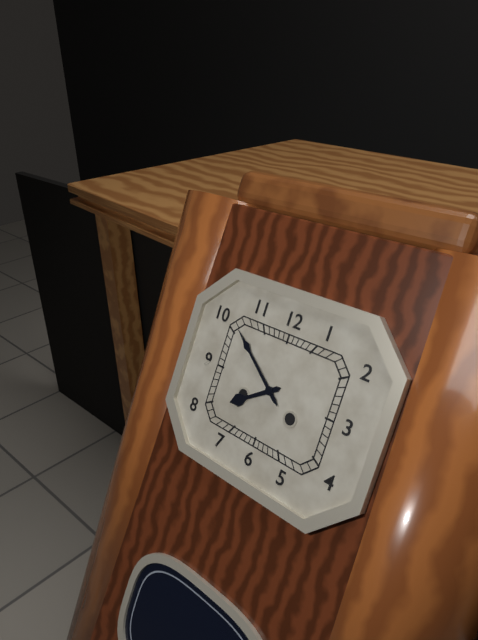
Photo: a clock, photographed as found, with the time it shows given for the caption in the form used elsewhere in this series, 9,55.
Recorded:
7,51
